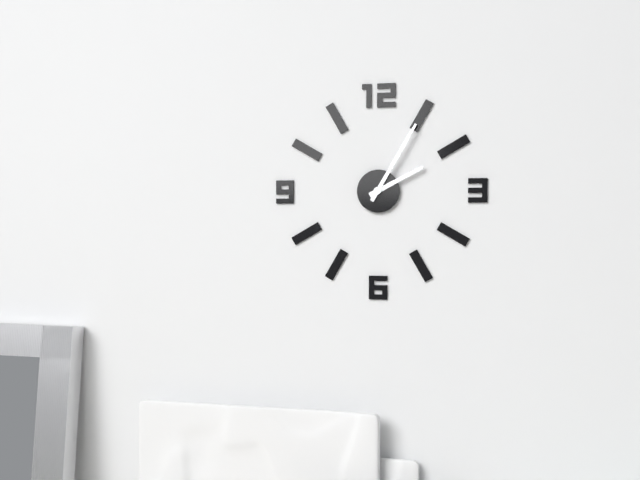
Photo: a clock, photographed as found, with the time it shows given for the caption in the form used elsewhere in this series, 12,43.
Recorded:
2,05
